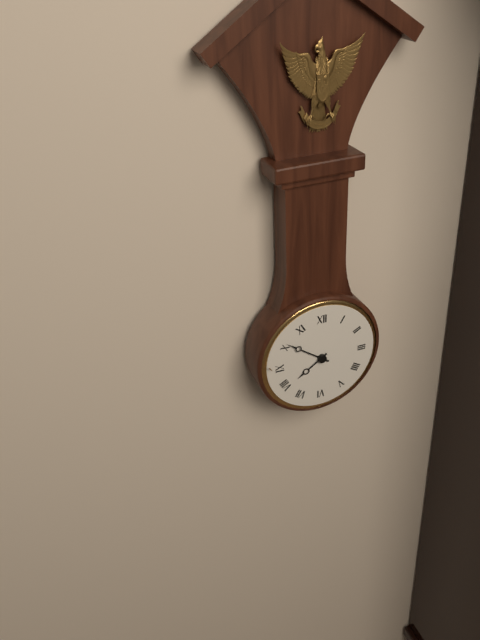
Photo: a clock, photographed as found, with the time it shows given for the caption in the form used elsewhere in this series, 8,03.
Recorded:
7,51
